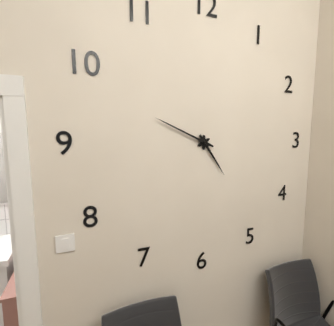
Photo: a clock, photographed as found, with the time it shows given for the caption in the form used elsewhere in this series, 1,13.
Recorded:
4,49
